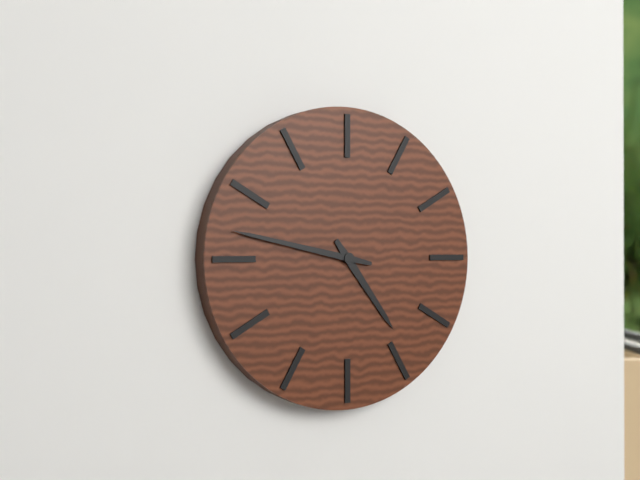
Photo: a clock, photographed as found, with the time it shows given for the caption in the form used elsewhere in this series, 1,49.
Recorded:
4,47
